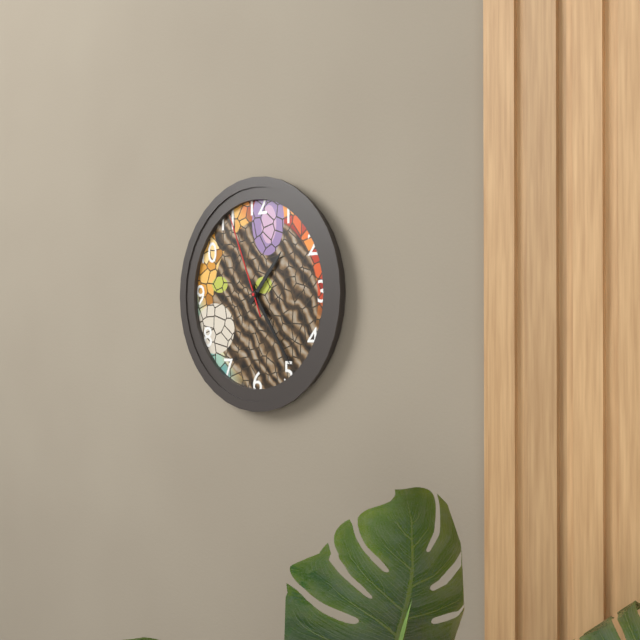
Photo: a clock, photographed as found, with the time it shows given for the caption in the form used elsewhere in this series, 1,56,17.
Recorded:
1,24,56
